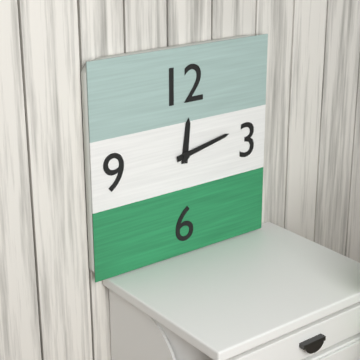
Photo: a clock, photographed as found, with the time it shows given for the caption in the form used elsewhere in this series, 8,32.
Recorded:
12,13
